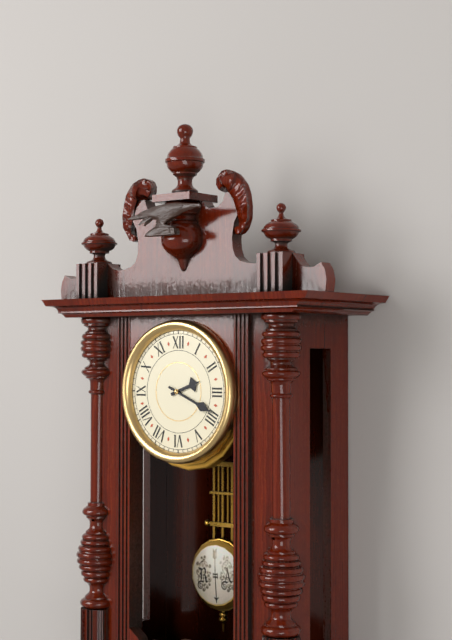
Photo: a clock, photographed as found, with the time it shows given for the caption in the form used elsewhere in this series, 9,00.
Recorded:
2,19
